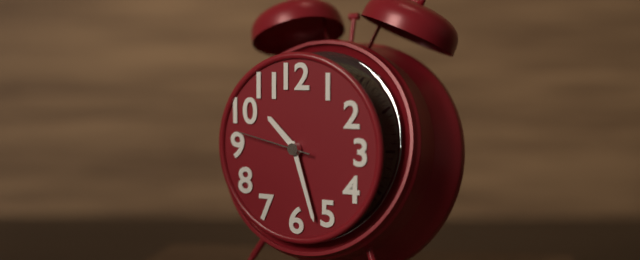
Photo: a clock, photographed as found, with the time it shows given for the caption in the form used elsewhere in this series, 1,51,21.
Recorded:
10,27,47
